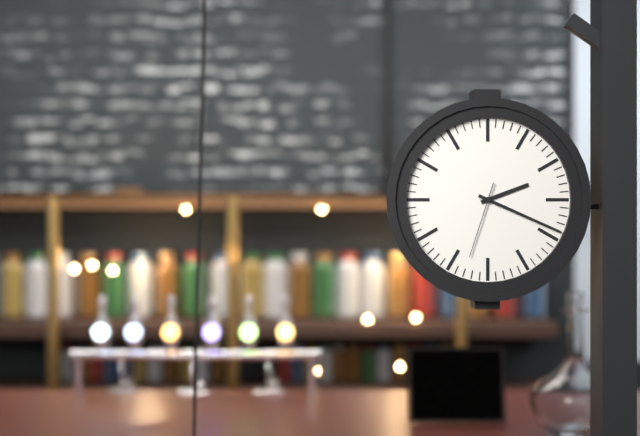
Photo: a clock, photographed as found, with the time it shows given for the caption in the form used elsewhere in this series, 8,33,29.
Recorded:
2,19,33
